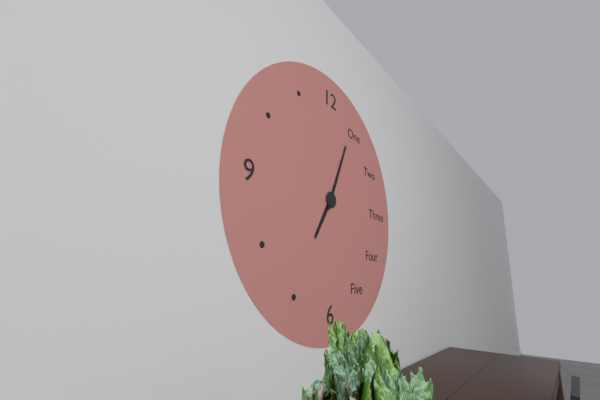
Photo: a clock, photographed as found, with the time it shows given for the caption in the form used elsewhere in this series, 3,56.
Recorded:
7,04
